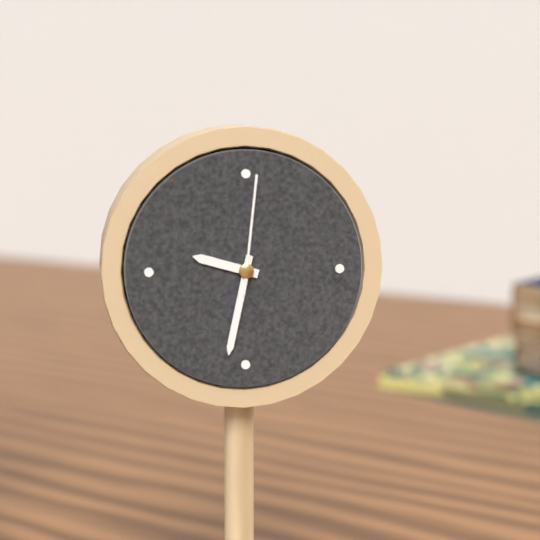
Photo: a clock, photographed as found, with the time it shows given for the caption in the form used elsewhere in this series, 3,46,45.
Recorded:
9,32,01
